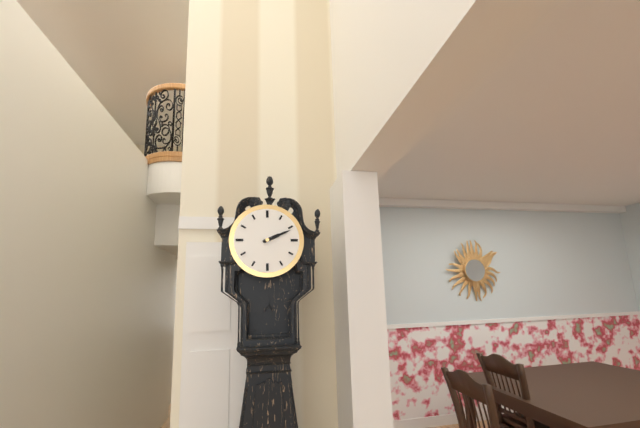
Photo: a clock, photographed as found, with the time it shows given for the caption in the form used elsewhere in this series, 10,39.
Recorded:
2,11
